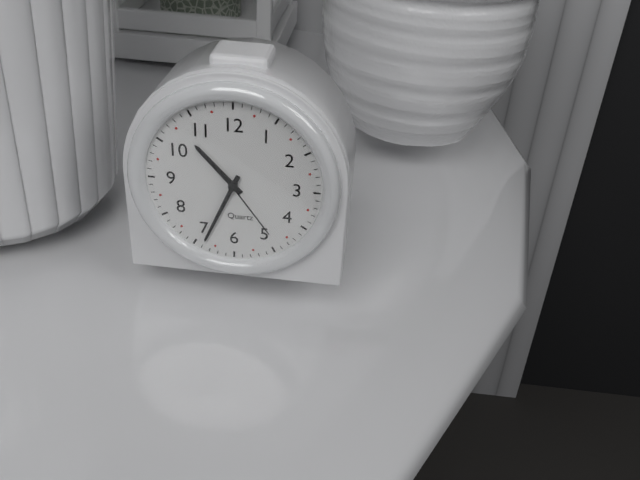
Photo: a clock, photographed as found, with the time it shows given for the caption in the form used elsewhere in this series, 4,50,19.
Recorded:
10,34,24
